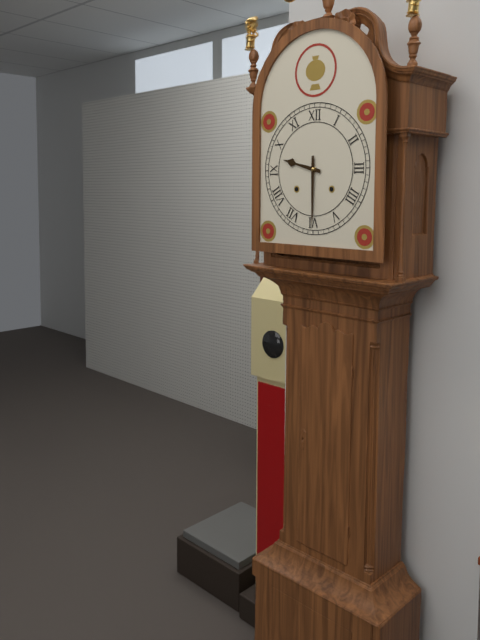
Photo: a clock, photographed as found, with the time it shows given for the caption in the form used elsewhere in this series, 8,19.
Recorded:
9,30
